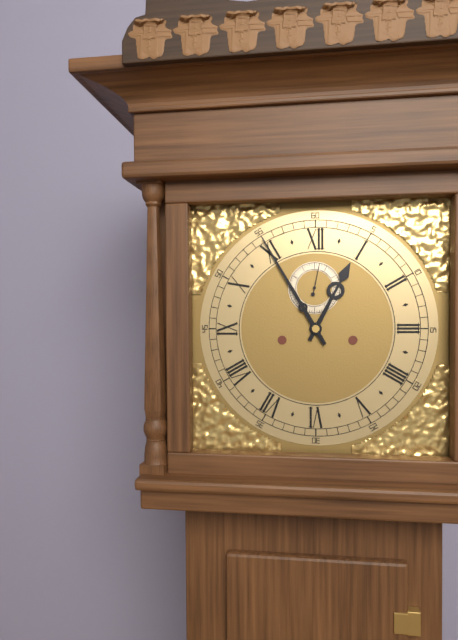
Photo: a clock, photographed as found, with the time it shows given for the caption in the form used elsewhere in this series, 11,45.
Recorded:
12,55
